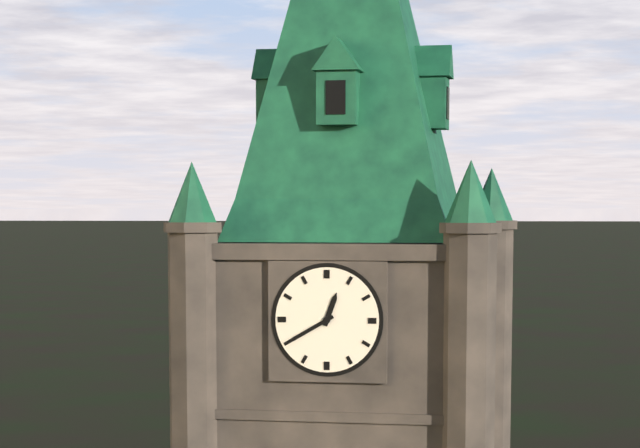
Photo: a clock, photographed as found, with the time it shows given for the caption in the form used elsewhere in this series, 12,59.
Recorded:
12,40
